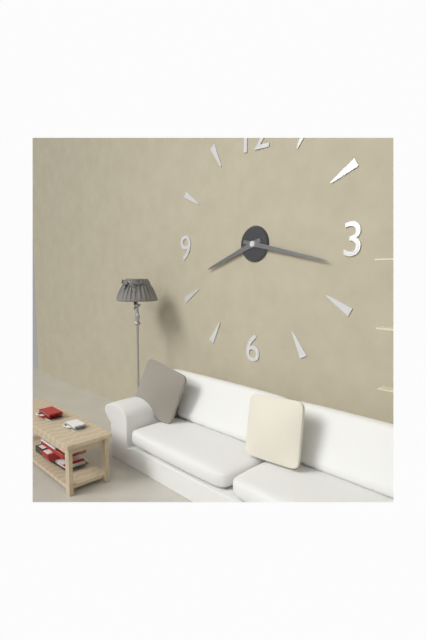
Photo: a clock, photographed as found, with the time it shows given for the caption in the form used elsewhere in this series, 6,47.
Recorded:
8,17
